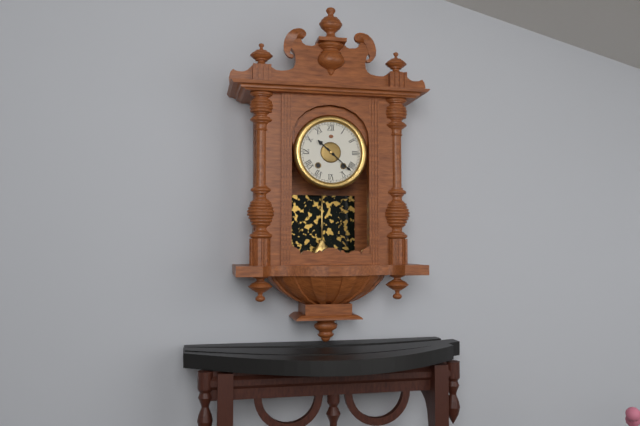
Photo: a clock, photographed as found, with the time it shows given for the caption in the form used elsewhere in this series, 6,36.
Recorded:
10,22
